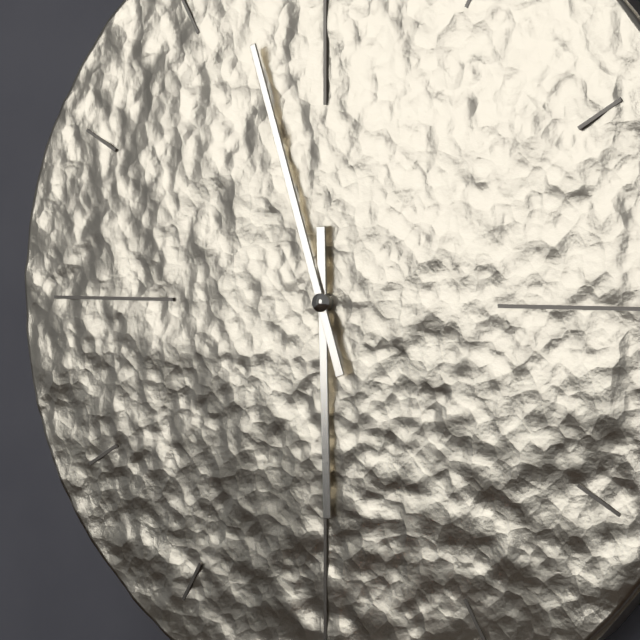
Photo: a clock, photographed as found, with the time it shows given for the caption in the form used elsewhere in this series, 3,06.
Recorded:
5,57
